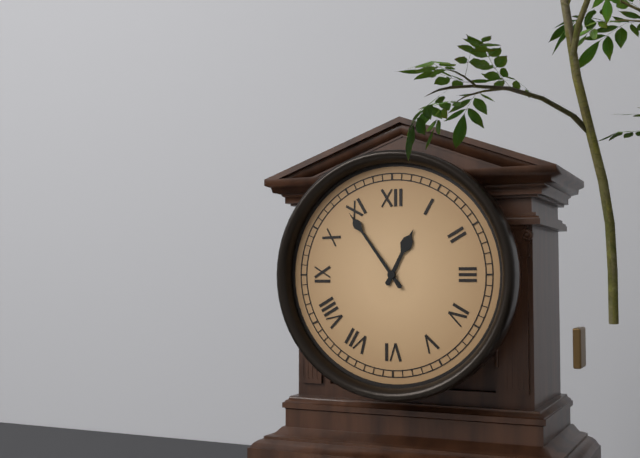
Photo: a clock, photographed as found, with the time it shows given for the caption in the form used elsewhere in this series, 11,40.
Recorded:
12,54
